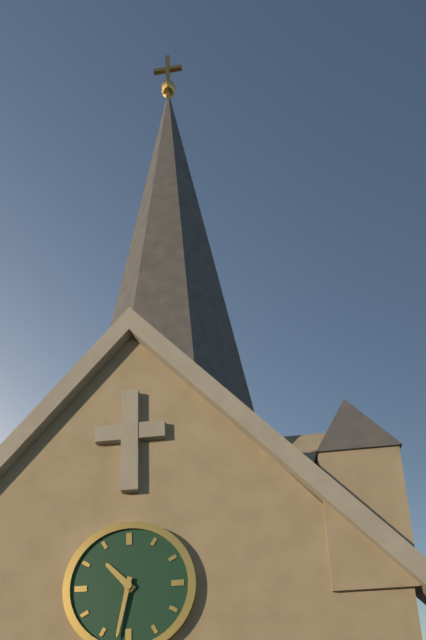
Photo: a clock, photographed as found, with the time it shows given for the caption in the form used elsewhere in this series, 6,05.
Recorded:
10,32
